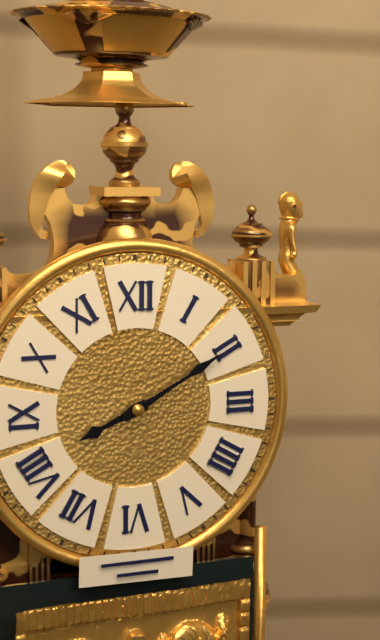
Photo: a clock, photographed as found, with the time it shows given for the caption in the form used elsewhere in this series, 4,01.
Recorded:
8,10
